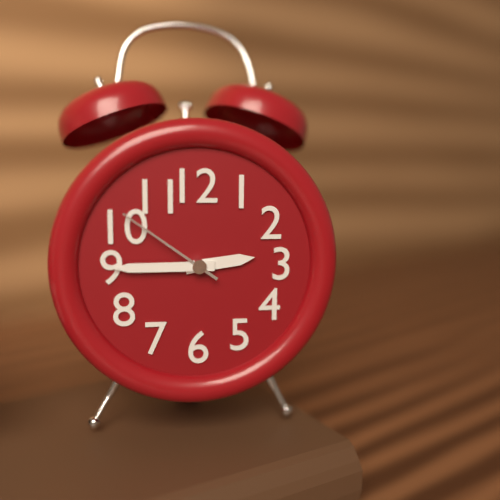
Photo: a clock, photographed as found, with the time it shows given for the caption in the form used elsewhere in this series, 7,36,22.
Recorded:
2,45,51
